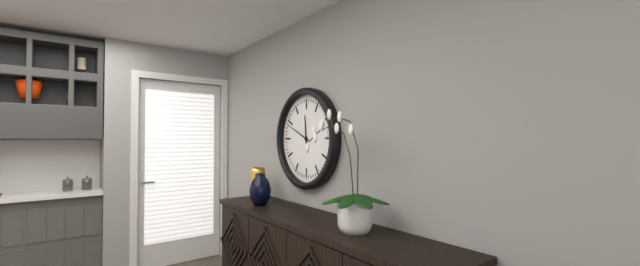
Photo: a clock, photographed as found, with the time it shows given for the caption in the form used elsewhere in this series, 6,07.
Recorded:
11,49
